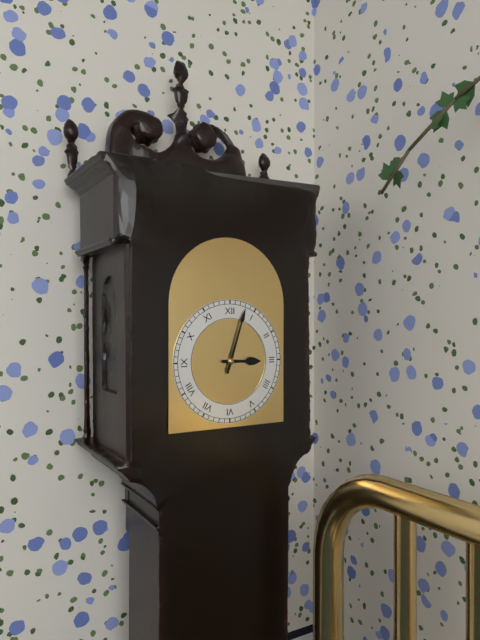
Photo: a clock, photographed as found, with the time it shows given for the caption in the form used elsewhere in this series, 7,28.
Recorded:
3,03
